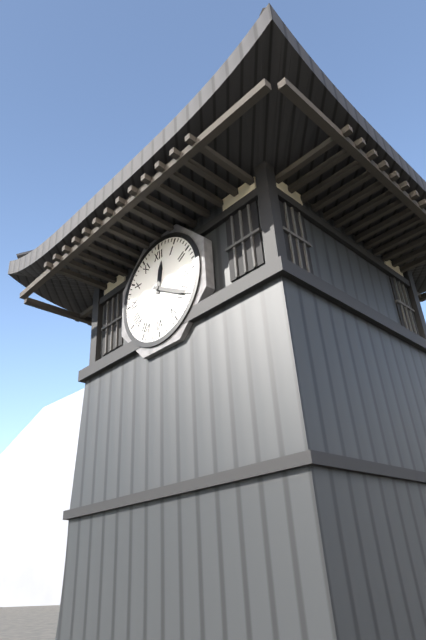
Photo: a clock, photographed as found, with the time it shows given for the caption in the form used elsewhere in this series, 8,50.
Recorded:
12,20
